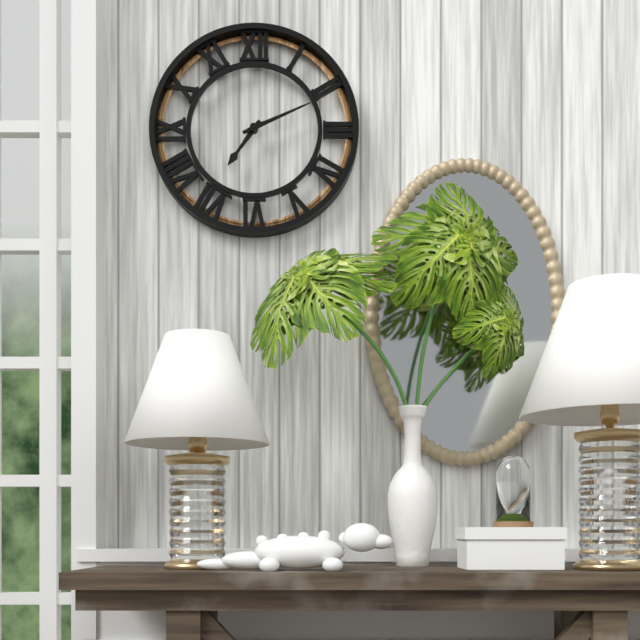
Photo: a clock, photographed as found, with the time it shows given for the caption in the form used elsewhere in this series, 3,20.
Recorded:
7,11
